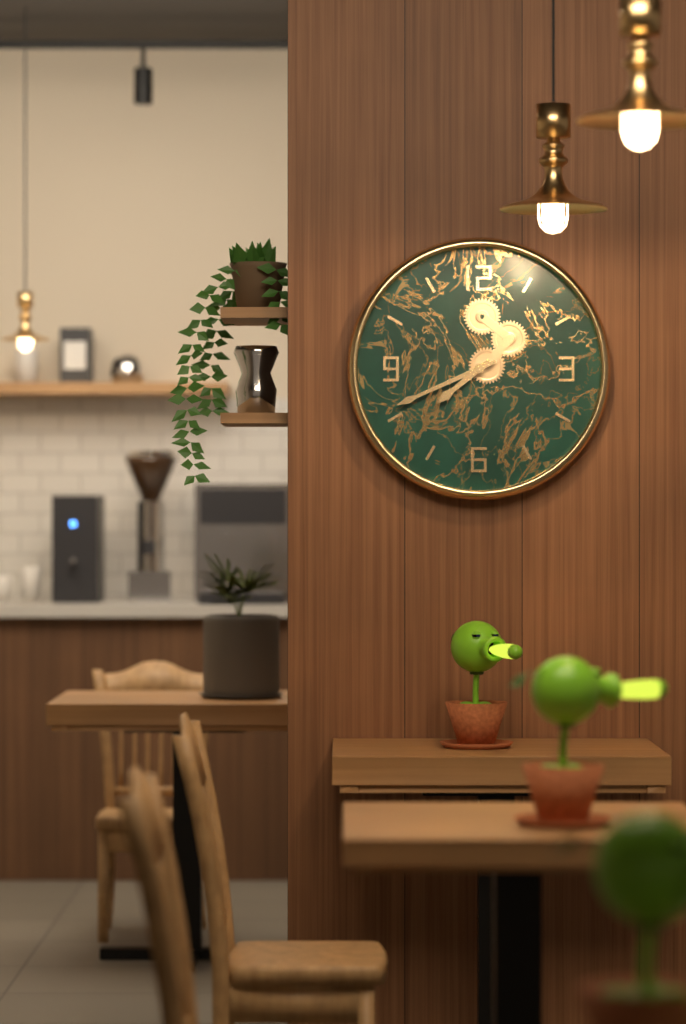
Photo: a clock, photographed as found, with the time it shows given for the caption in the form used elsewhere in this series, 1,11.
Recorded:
7,41
